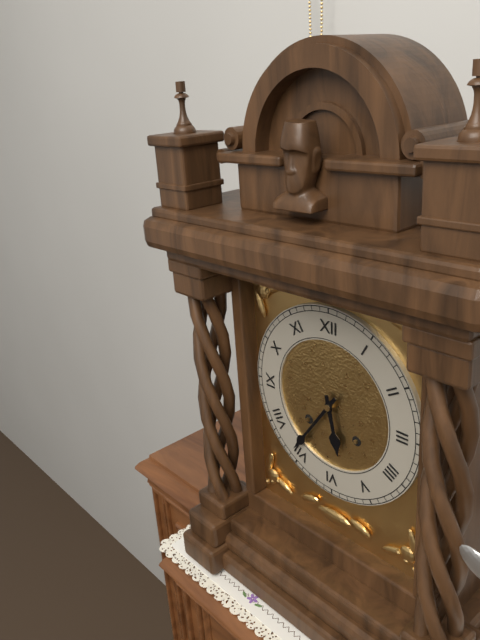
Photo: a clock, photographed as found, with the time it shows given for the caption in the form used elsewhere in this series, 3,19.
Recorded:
5,36
